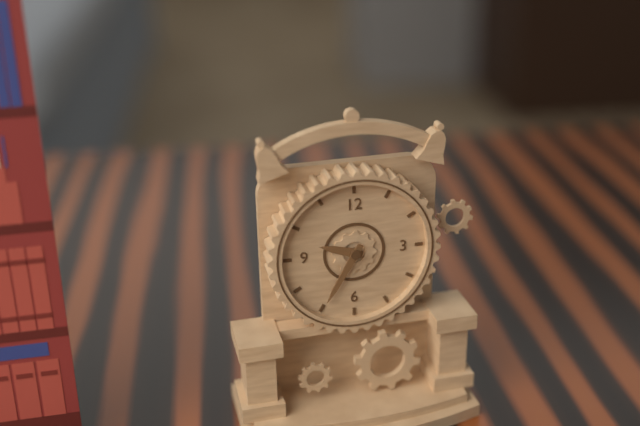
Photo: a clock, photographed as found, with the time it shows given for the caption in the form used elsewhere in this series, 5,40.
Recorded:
9,35
